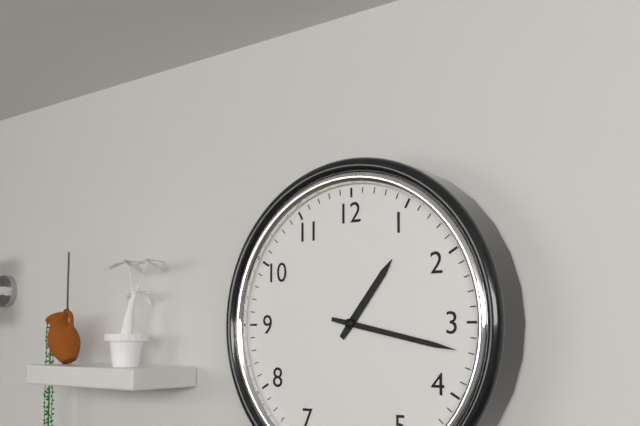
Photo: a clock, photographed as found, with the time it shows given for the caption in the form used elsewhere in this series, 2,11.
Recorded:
1,17
